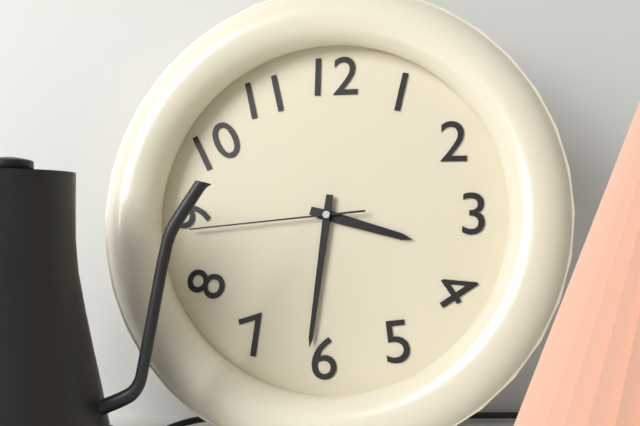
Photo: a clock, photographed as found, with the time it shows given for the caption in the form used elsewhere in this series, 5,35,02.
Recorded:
3,31,44
